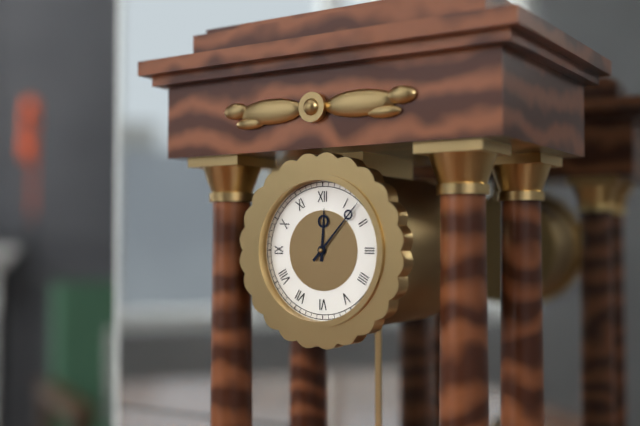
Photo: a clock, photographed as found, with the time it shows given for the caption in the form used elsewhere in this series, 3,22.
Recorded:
12,07
